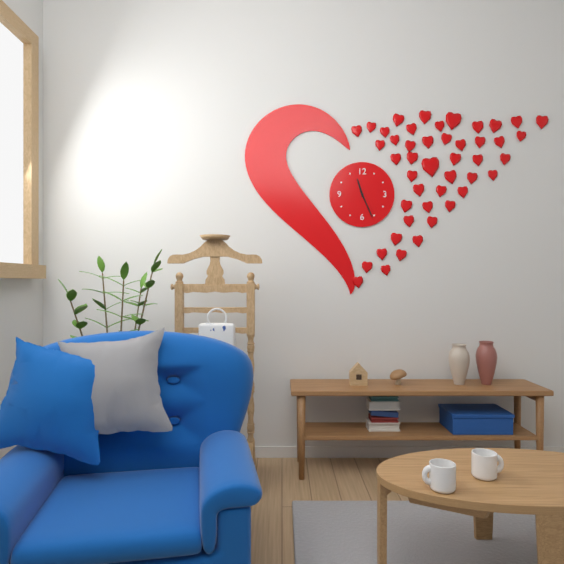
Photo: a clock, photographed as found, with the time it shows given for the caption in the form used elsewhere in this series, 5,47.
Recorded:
11,26
